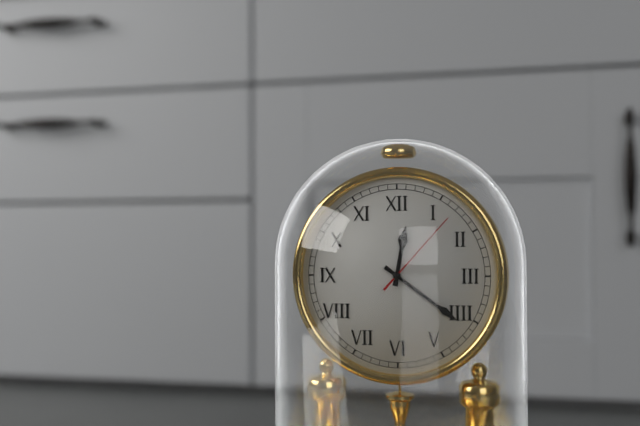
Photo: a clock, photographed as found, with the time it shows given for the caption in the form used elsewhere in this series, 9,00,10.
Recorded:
12,21,07
